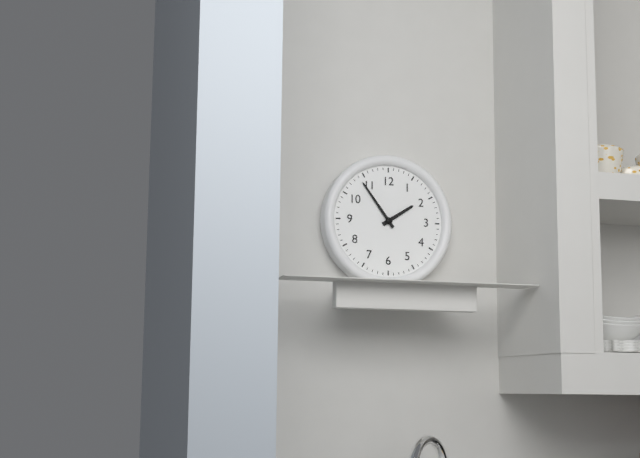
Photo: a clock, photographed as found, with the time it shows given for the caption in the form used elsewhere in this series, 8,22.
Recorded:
1,54
